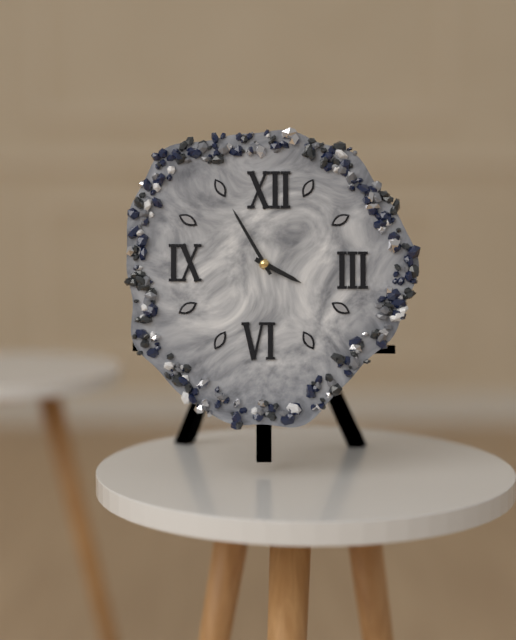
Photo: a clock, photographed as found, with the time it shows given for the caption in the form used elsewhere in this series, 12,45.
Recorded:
3,55
